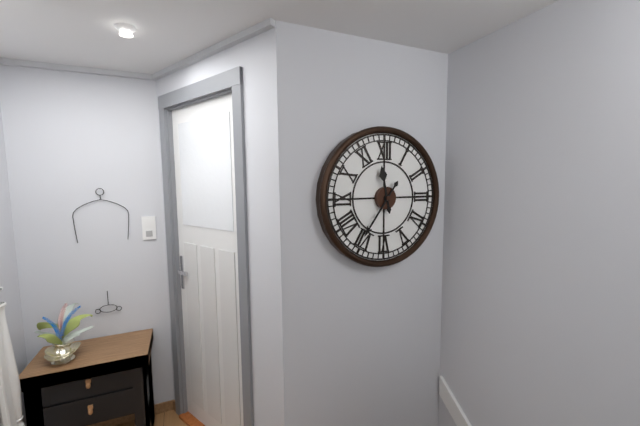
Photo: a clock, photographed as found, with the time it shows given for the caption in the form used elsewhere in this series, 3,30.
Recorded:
11,36
